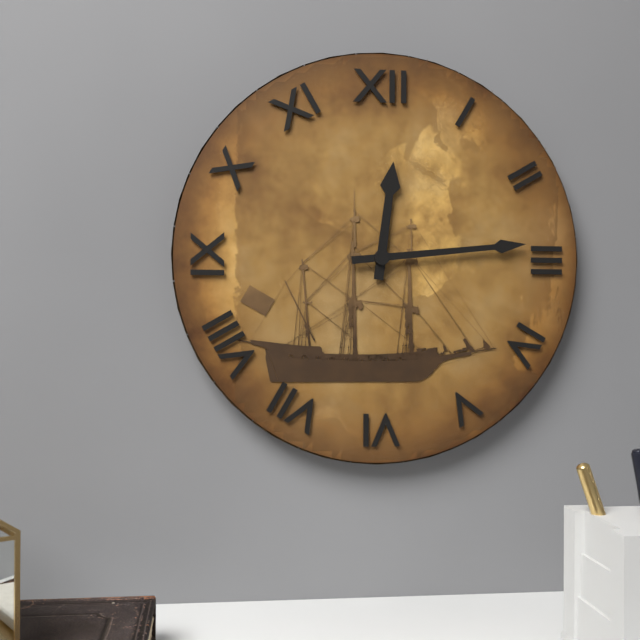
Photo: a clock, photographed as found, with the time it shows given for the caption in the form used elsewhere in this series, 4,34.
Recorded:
12,14
